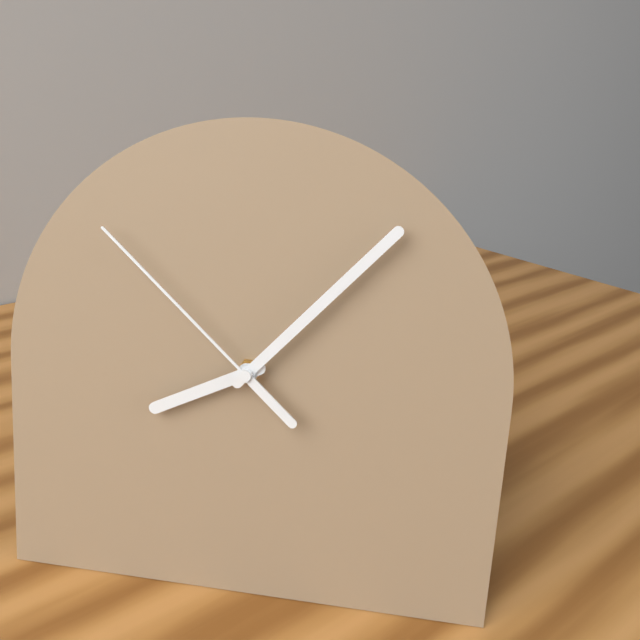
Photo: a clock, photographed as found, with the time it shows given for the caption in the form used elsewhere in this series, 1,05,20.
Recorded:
8,07,52
